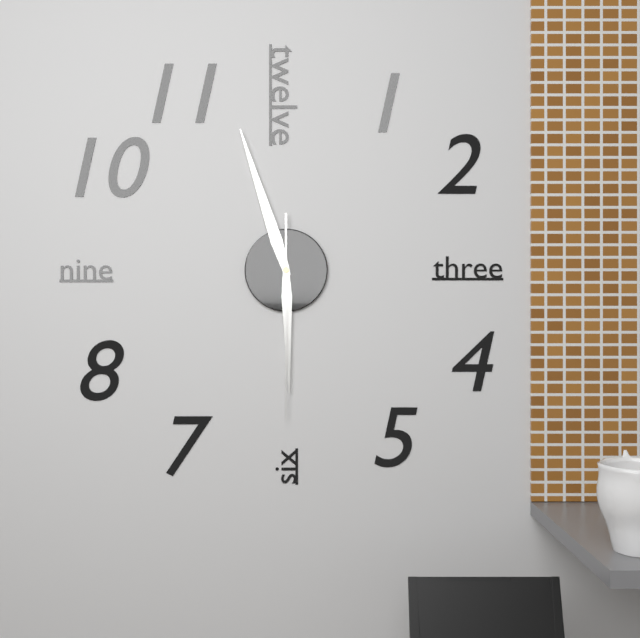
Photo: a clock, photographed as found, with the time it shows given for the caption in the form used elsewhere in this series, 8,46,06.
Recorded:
5,57,30
